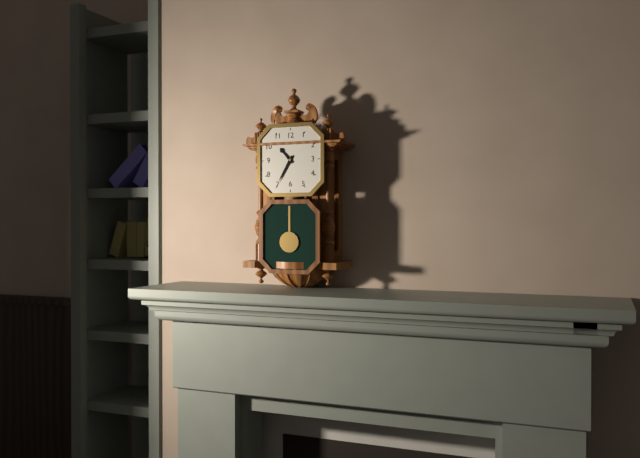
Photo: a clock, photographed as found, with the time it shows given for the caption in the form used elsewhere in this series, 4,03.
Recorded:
10,35
